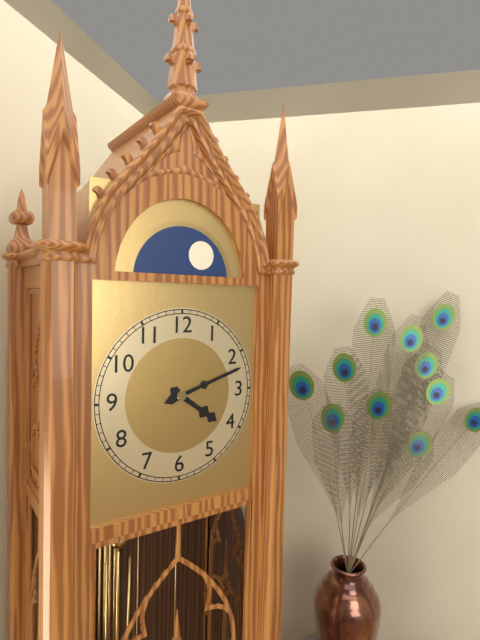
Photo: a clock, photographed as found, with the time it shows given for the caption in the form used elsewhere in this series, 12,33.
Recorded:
4,12
